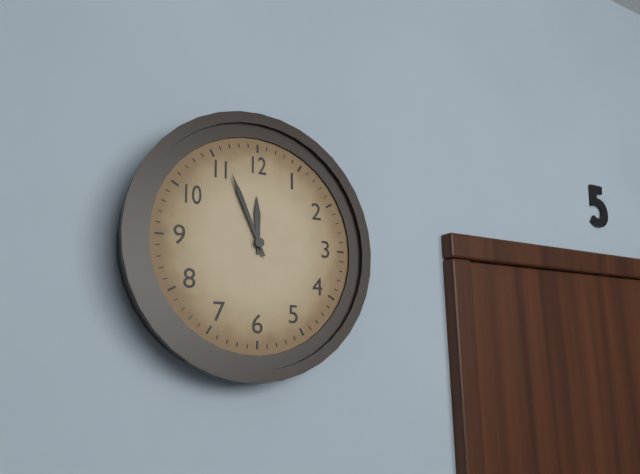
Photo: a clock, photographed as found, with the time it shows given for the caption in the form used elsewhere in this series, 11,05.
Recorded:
11,56
